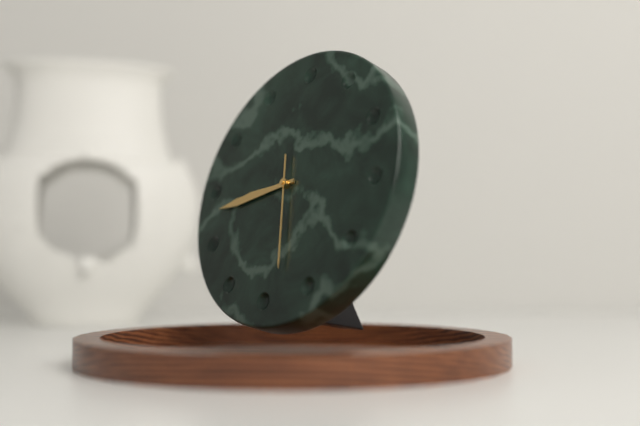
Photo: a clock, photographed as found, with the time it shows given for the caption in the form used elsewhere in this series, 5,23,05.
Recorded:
8,43,28
